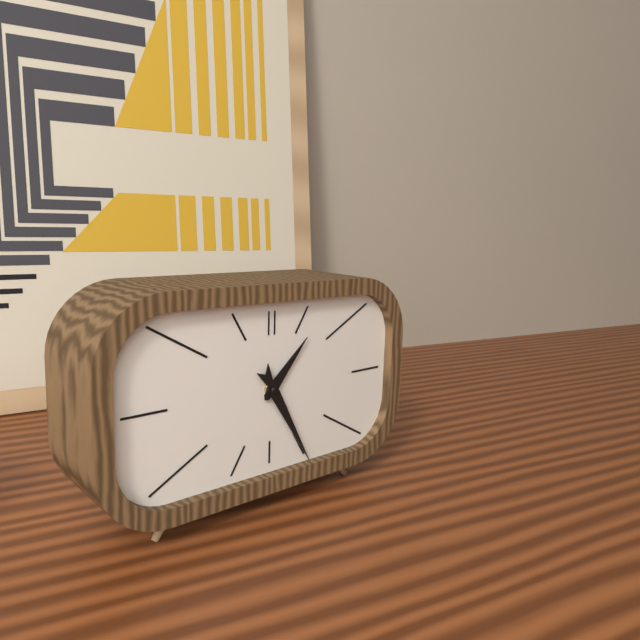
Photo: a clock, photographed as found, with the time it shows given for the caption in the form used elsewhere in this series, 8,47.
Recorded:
1,25
